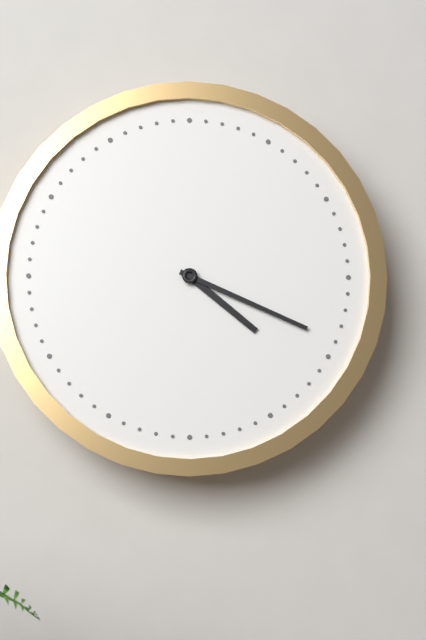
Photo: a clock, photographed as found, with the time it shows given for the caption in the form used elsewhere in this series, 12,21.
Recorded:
4,19
